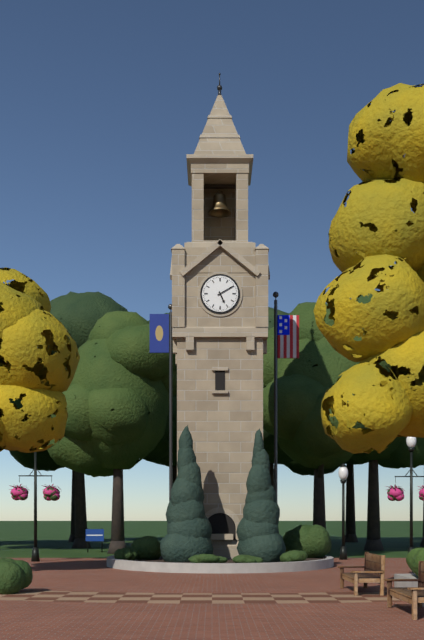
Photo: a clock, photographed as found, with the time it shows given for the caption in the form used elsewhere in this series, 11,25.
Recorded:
5,10
